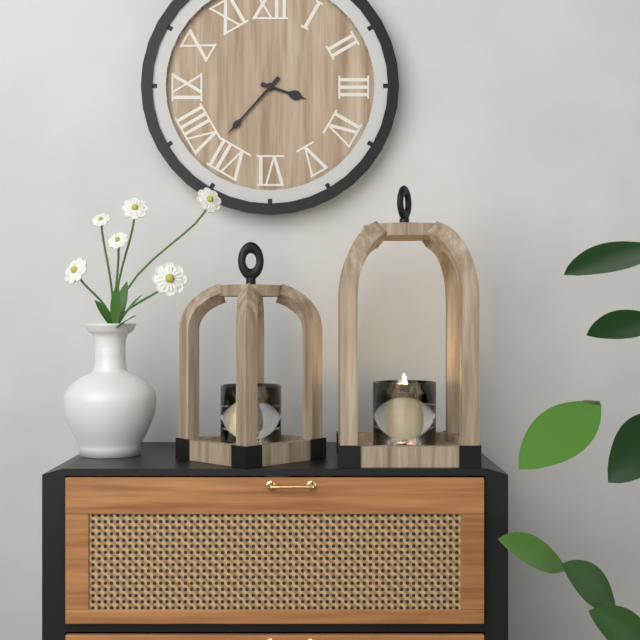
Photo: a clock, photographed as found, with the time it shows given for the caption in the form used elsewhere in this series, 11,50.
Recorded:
3,37
